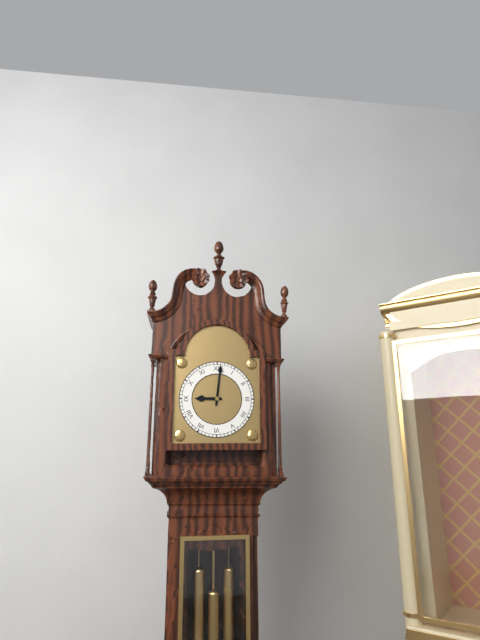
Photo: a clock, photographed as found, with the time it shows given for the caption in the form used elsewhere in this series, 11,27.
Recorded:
9,01
